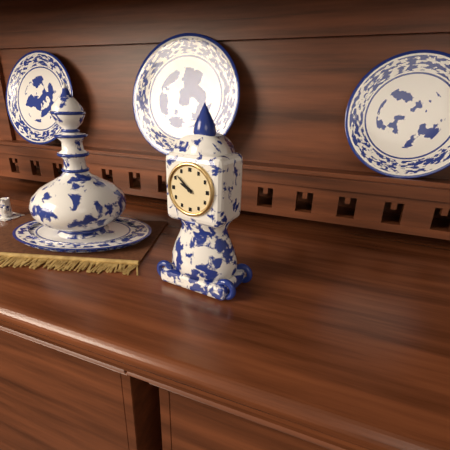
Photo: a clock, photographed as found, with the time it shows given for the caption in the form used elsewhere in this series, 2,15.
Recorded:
9,52
